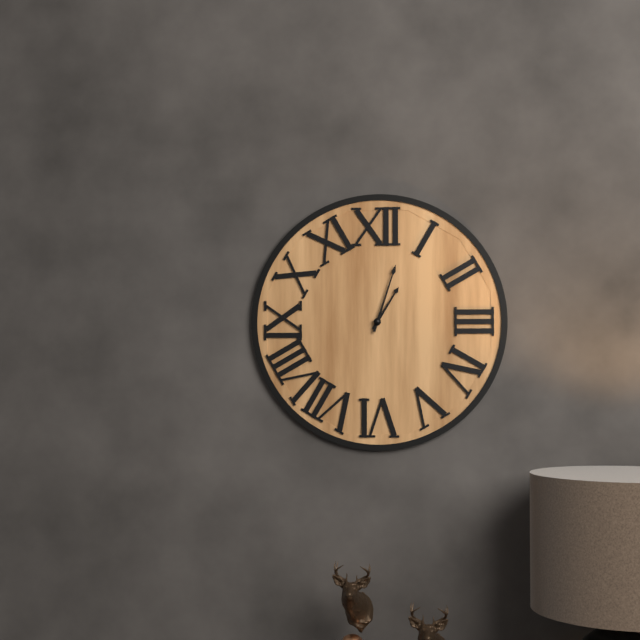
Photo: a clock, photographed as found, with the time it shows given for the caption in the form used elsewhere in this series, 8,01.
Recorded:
1,03
